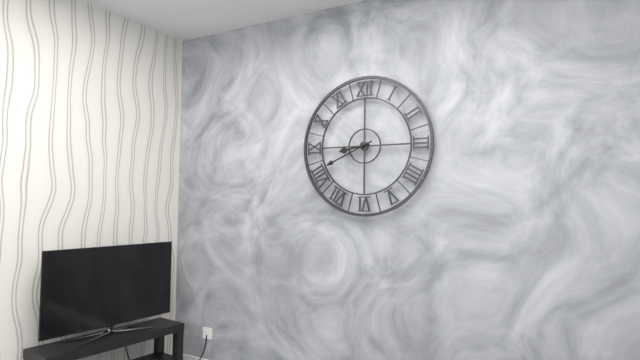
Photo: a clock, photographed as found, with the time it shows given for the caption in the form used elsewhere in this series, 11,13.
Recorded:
8,41
